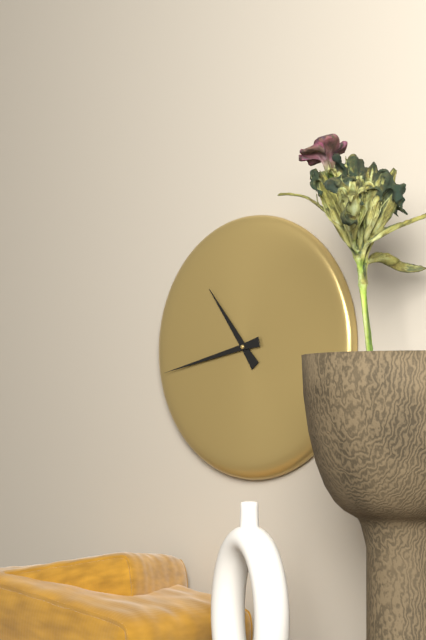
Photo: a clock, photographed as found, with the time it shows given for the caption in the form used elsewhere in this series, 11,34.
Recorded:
10,43
